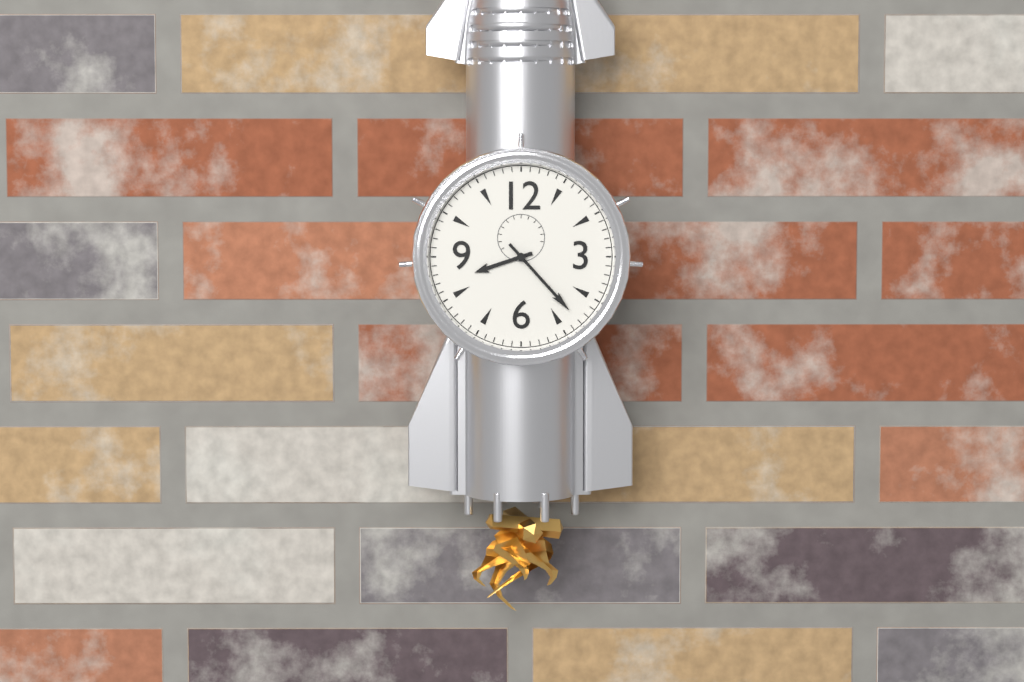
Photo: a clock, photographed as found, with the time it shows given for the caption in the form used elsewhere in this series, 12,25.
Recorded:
8,23
